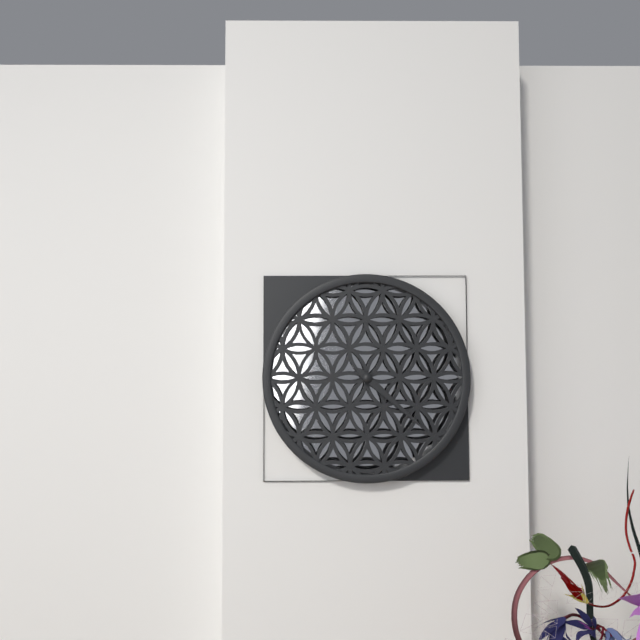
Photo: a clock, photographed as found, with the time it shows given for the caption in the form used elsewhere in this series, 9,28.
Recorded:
4,22
